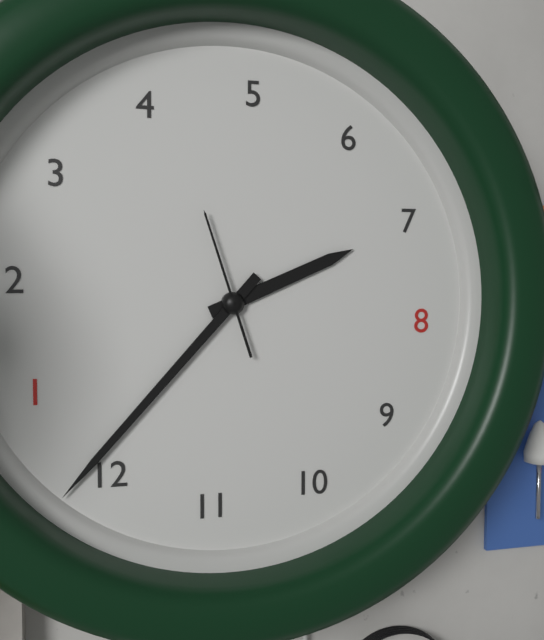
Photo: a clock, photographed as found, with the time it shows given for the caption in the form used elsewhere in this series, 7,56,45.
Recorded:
7,01,21
